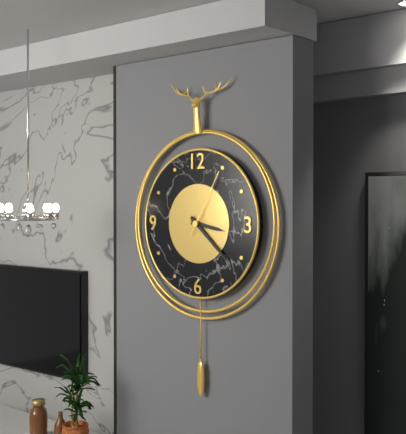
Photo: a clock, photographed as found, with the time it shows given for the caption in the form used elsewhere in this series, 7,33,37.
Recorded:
3,22,05
